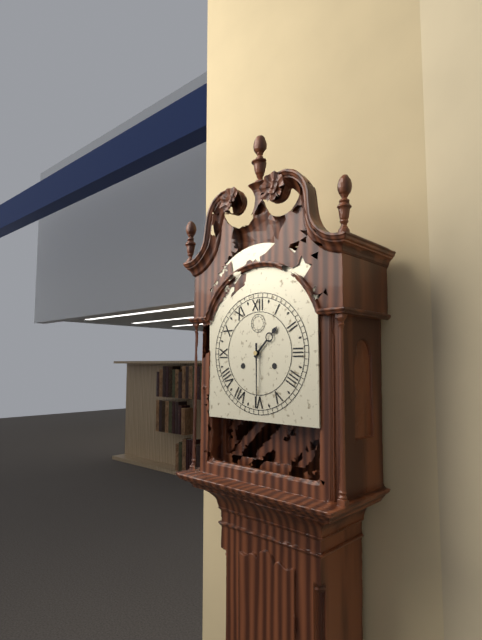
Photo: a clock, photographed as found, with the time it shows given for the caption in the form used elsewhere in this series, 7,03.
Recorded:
1,30
